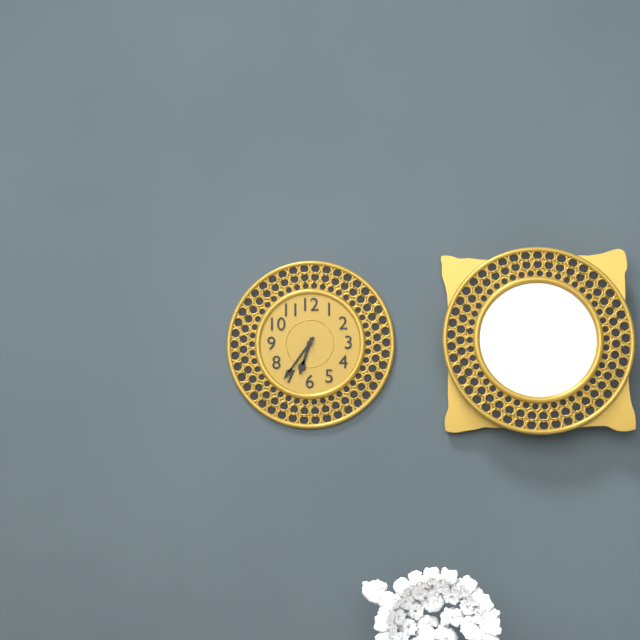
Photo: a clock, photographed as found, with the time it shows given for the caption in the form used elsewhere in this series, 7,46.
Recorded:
6,36
